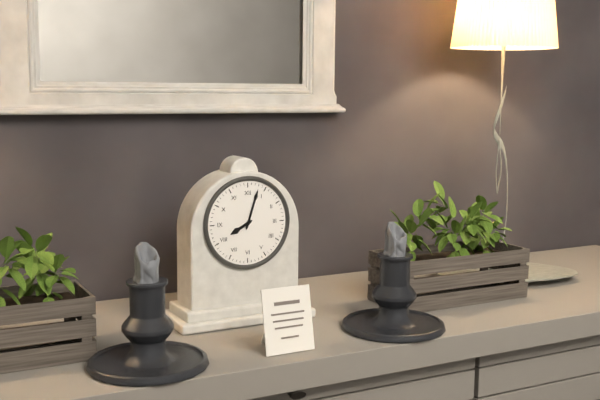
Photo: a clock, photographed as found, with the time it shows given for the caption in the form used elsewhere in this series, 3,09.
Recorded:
8,03
